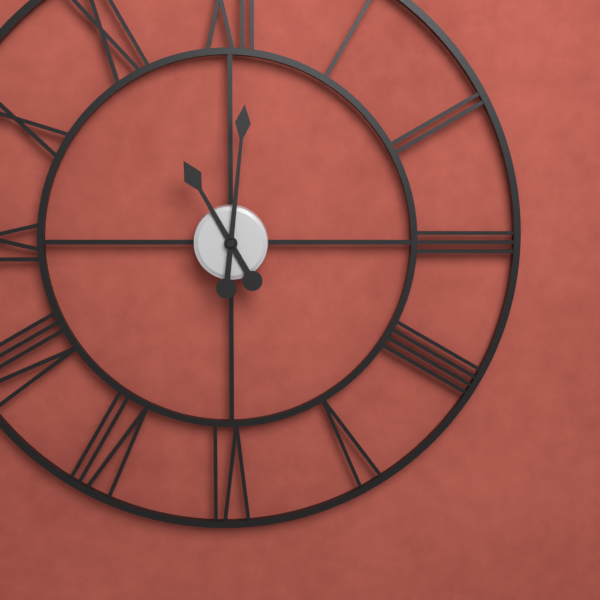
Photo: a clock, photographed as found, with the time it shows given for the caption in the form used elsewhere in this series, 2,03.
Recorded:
11,01
